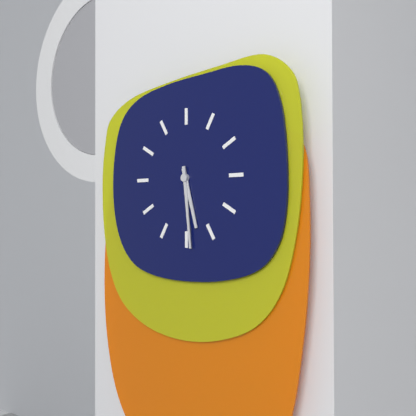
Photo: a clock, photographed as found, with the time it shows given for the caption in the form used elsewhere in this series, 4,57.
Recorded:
5,29
